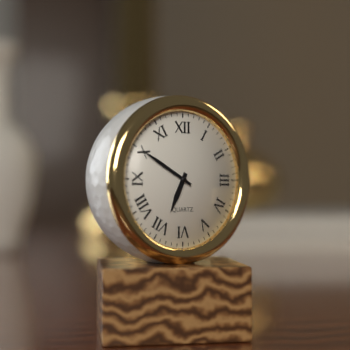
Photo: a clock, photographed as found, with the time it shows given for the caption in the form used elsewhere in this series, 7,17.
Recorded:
6,50
